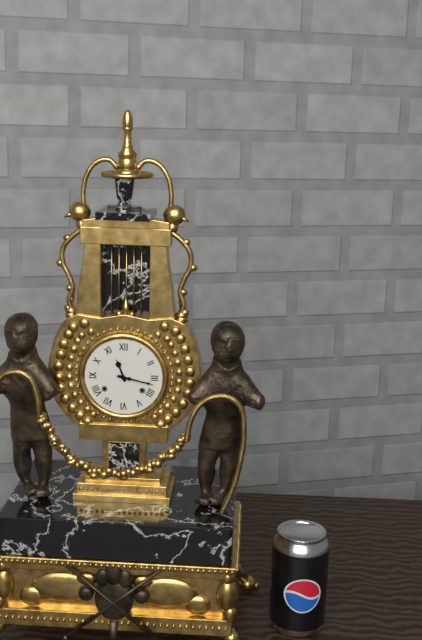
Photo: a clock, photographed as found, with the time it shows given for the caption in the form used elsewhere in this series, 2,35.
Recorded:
11,17
